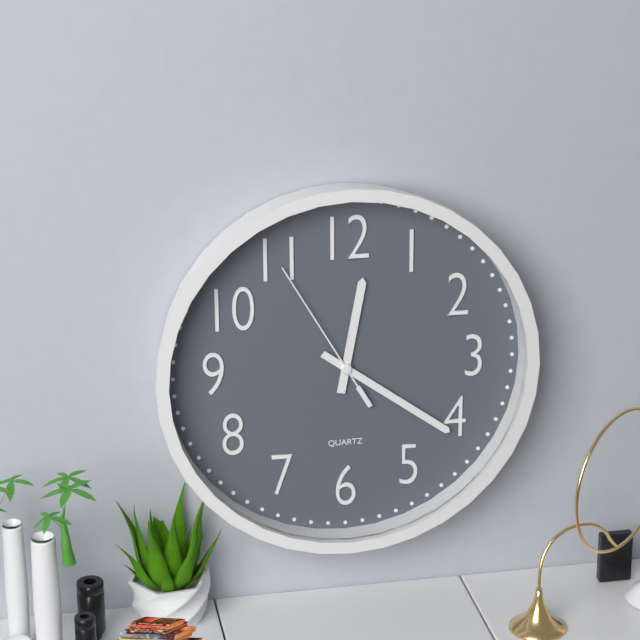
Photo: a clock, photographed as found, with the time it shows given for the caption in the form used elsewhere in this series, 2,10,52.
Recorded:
12,21,55
